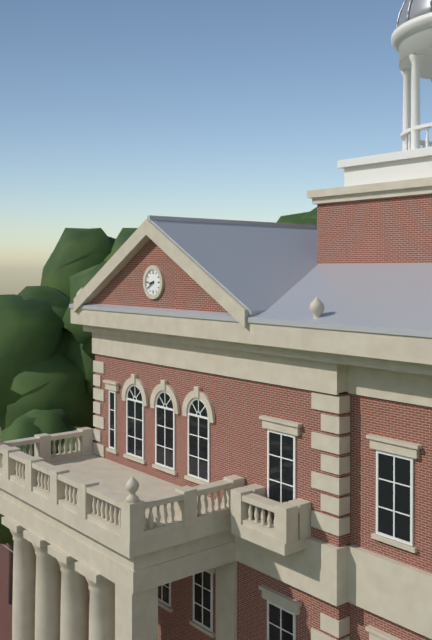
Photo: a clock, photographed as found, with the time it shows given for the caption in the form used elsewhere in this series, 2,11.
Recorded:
8,39
